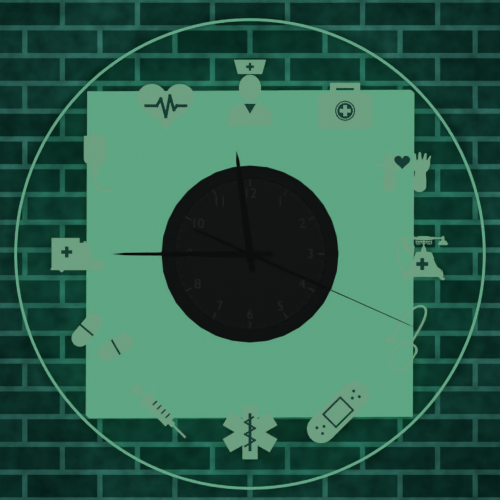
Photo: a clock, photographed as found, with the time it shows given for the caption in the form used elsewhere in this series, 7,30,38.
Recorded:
11,45,19
